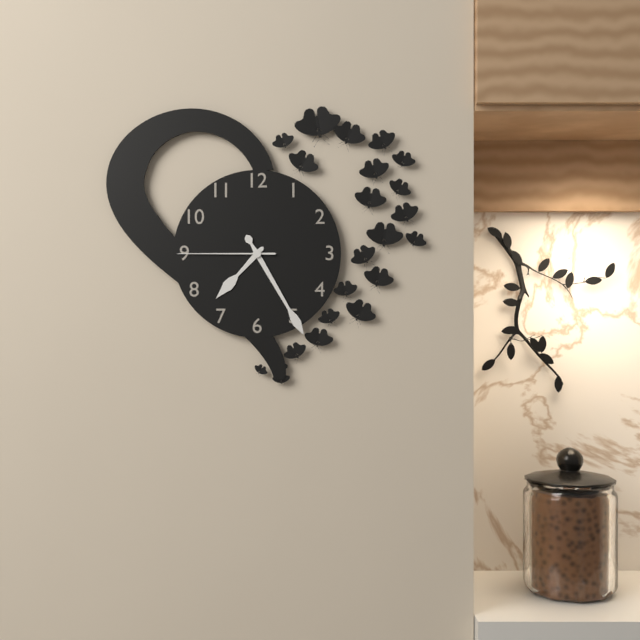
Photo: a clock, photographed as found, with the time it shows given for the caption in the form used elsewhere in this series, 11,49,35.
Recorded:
7,25,45
